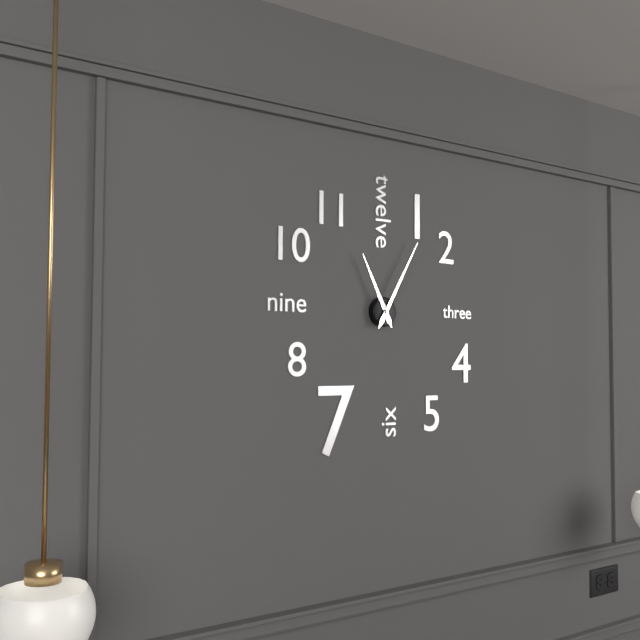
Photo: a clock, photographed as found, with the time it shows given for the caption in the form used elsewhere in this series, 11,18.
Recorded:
11,05
